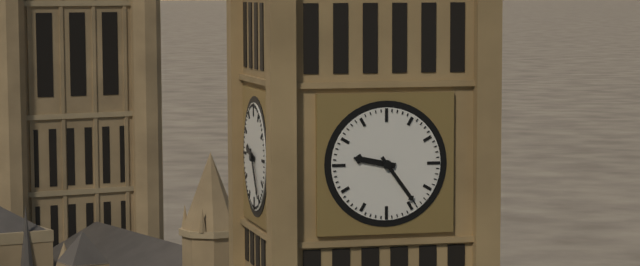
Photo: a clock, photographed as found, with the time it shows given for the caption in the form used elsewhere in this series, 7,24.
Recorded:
9,24
